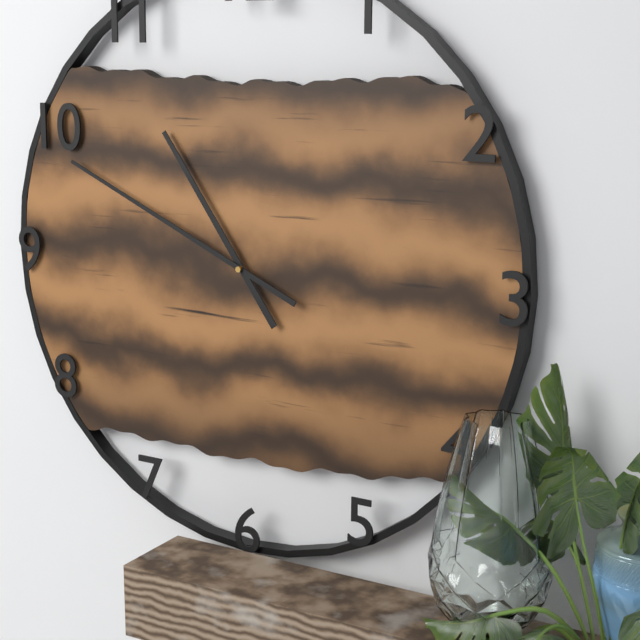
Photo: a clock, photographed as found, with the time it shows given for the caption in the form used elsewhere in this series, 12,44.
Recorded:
10,49
